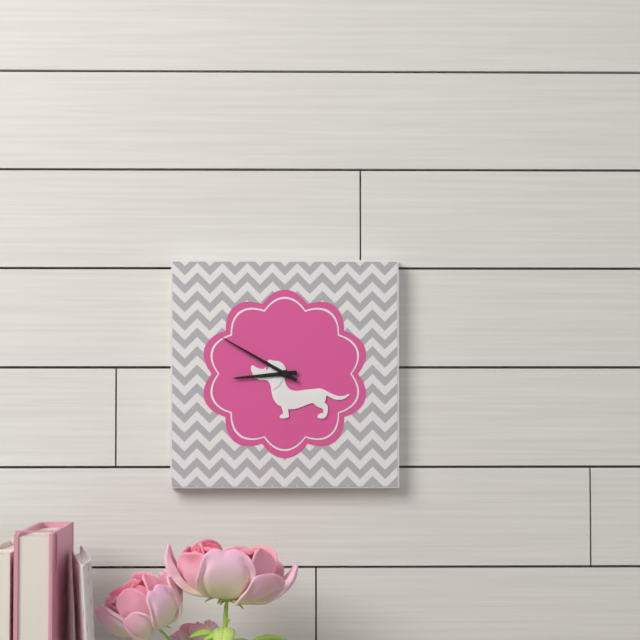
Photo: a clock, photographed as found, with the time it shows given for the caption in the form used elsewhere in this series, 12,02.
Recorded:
8,50
